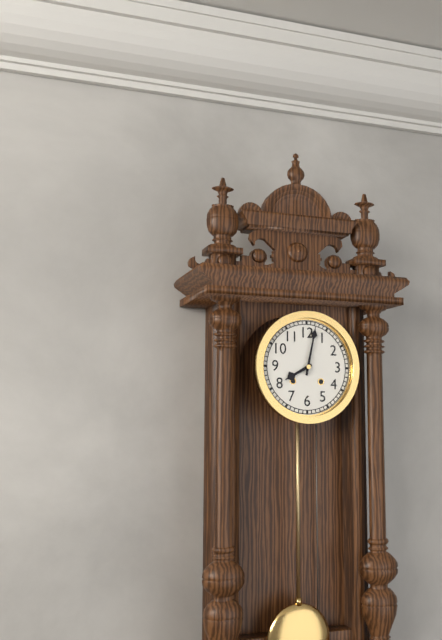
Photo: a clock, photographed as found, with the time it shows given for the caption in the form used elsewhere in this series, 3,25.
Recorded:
8,02
